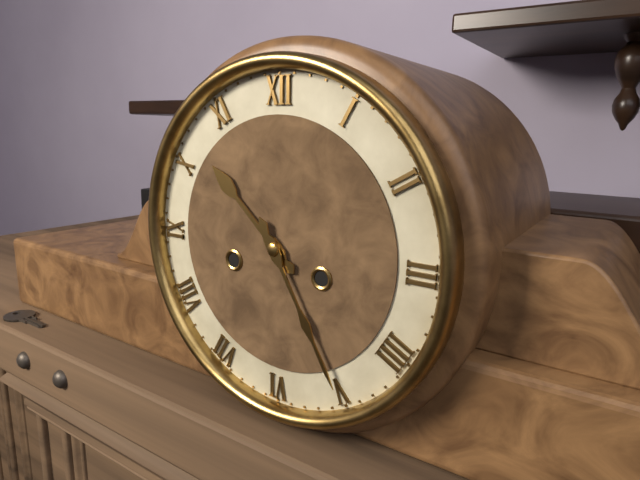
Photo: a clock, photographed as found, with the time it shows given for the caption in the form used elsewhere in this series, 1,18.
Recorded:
10,25
